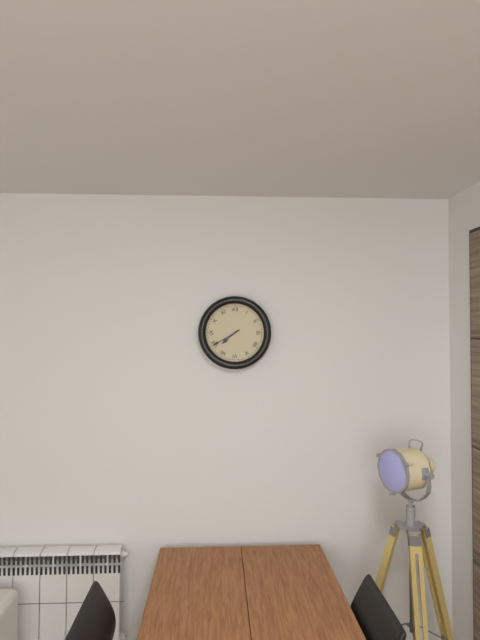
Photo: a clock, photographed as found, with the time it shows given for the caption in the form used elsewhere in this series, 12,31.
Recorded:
7,40
